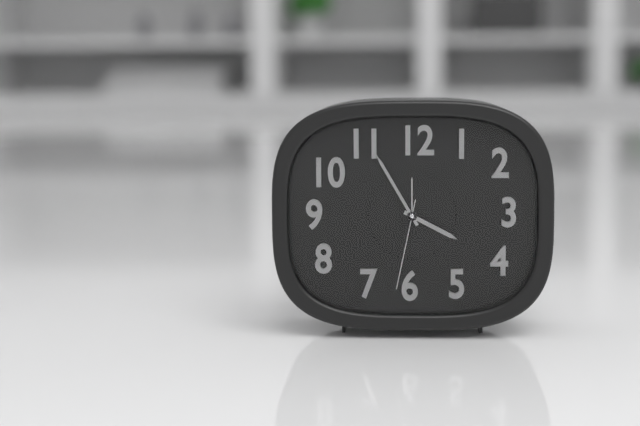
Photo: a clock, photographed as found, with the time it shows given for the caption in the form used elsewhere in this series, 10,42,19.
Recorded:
3,55,32
